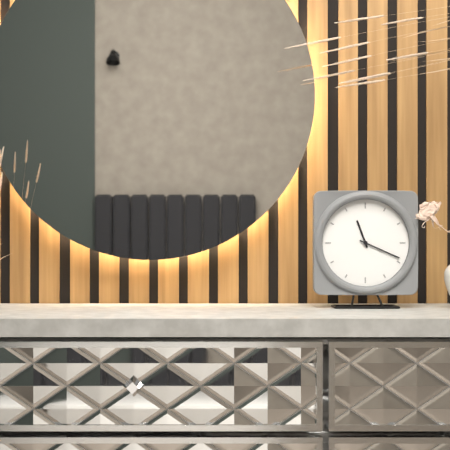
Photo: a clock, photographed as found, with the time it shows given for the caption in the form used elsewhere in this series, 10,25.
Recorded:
11,19
